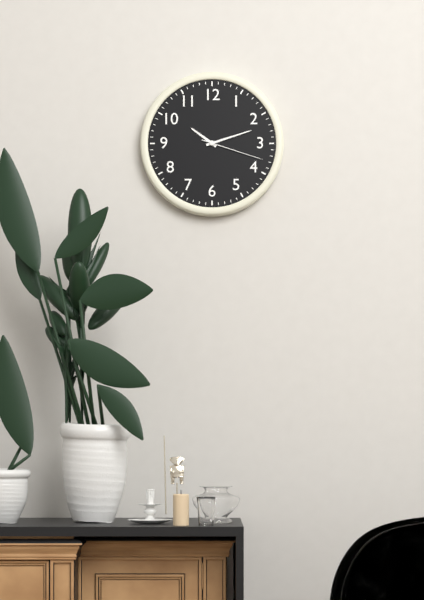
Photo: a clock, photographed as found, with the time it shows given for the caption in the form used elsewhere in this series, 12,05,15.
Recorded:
10,12,18
